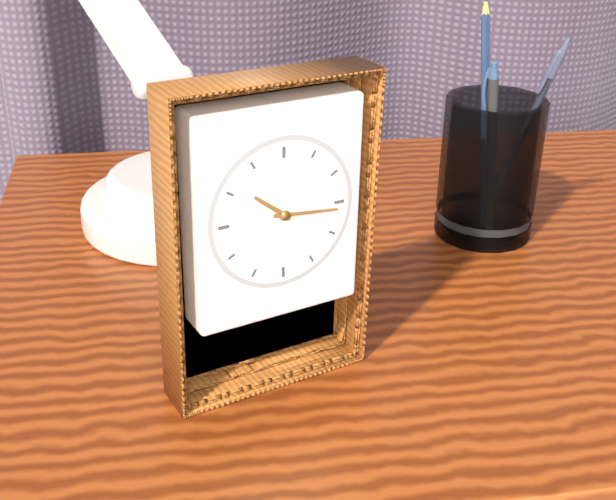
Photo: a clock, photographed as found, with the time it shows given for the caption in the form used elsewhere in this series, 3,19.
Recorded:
10,16
